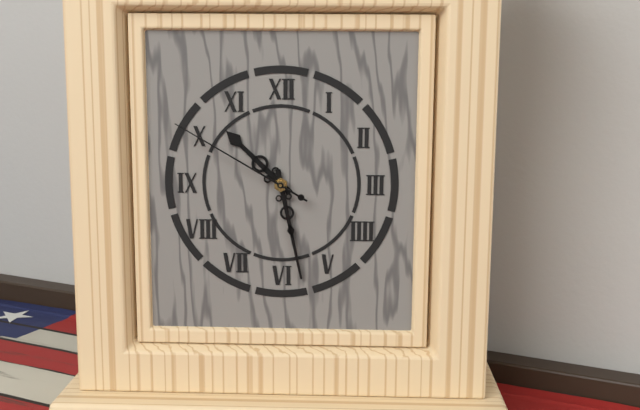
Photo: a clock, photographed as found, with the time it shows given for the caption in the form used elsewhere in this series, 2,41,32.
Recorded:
10,28,50
